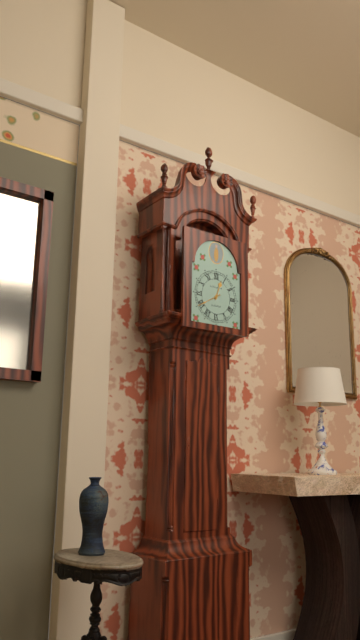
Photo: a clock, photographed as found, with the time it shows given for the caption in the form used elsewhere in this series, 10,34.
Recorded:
12,40
